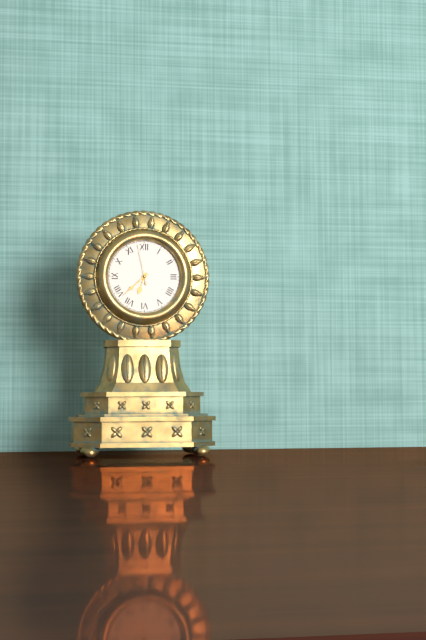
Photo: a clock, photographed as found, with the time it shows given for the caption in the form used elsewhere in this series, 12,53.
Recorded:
6,38
